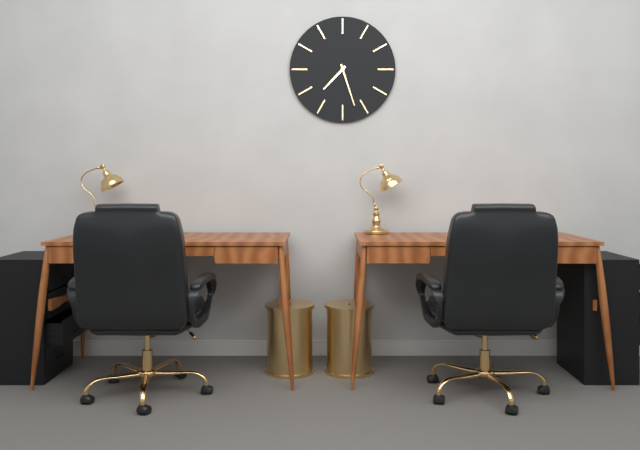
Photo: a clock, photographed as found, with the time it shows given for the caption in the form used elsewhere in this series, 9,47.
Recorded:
7,27
